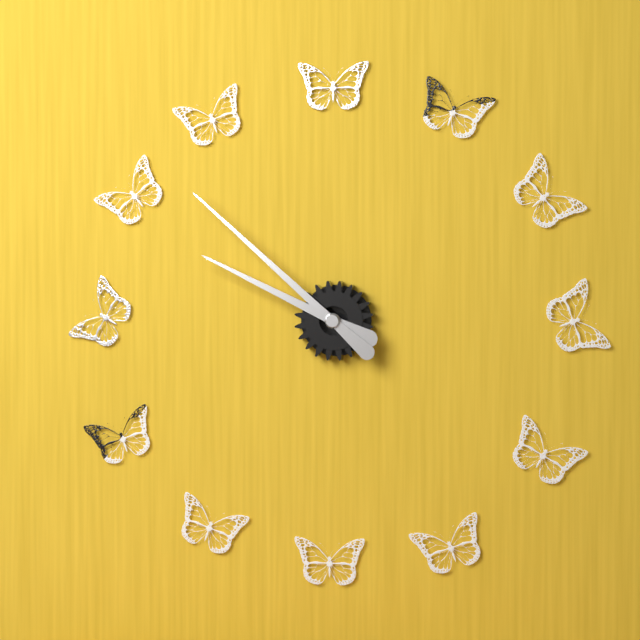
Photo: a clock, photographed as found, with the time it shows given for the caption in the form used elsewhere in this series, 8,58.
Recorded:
9,52
